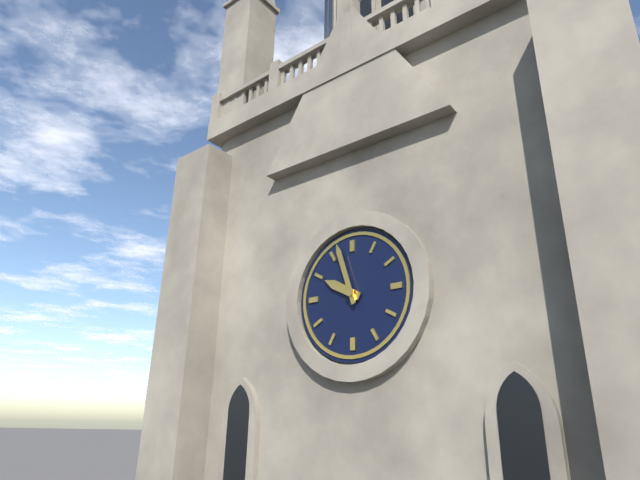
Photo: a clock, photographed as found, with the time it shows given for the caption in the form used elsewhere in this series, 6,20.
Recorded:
9,57
